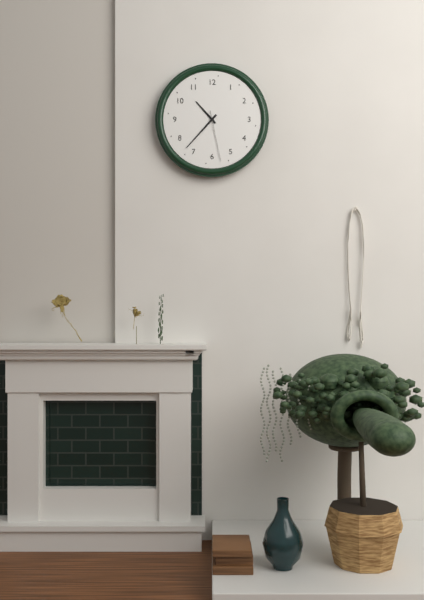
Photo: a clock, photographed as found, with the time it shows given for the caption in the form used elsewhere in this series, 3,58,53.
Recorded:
10,37,28
